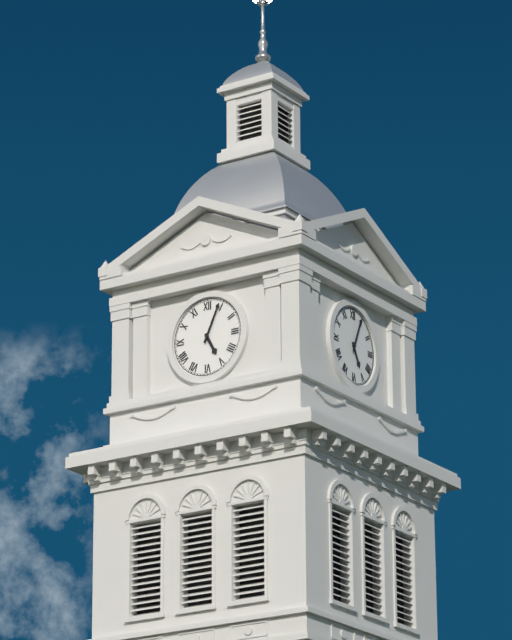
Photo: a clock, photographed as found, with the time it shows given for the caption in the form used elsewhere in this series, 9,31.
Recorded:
5,04
